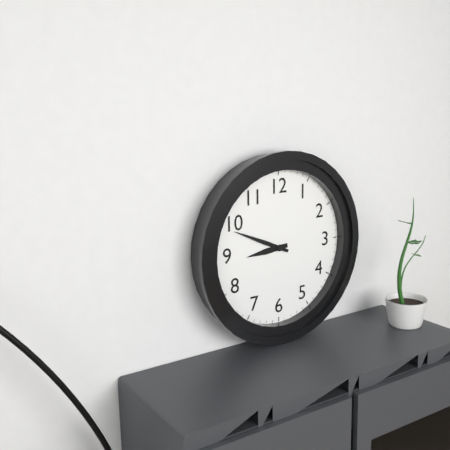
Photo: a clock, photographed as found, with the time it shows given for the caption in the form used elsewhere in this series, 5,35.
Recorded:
8,49
